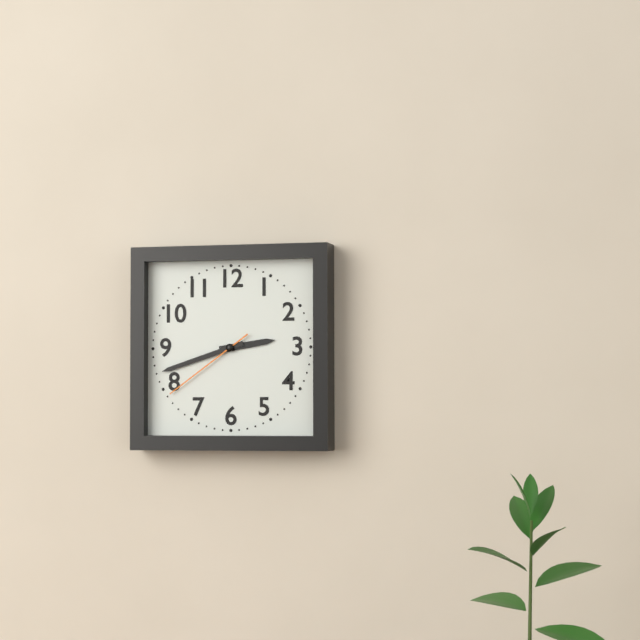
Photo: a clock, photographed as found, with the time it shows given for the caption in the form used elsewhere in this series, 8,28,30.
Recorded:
2,42,39
